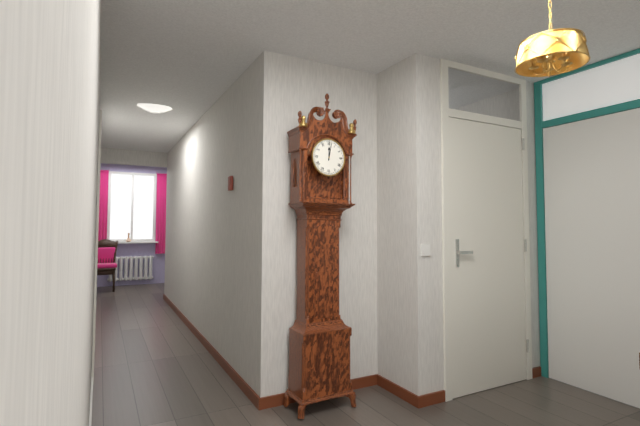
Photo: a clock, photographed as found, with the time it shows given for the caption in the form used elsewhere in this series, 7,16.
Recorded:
12,02
